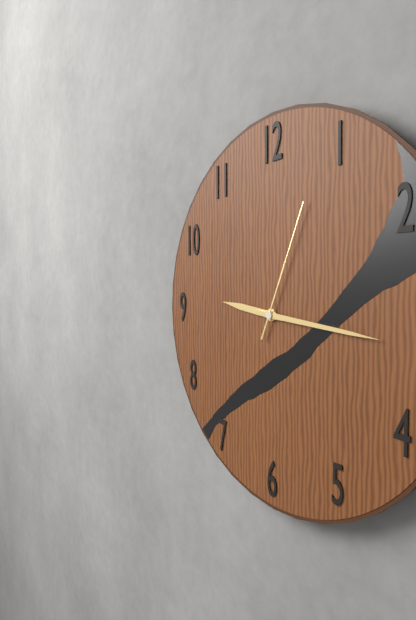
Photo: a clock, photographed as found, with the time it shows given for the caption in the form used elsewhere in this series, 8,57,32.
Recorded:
9,16,04
